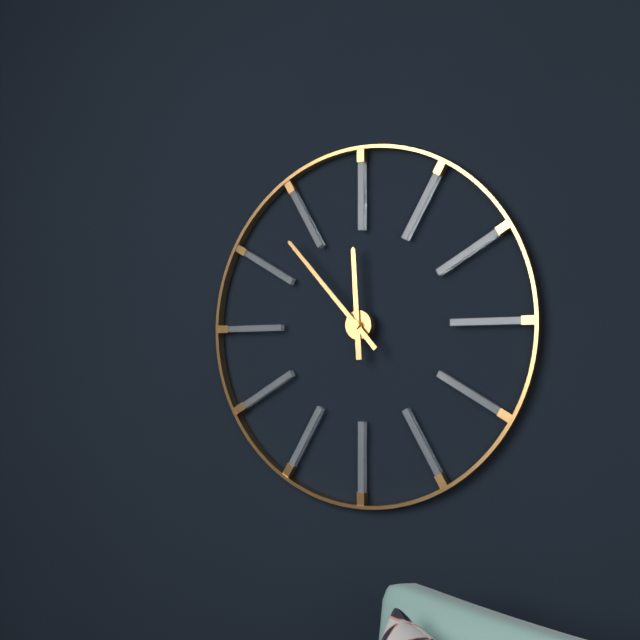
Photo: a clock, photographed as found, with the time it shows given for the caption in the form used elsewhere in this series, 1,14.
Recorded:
11,53
